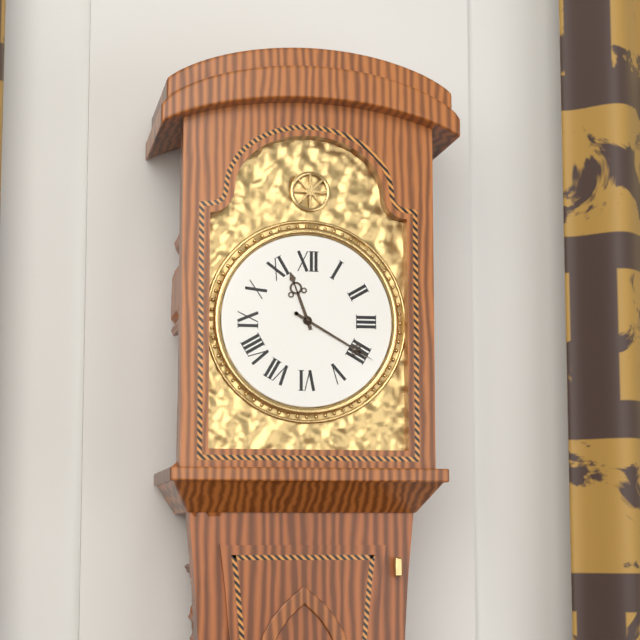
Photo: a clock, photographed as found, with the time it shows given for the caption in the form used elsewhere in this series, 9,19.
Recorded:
11,20
